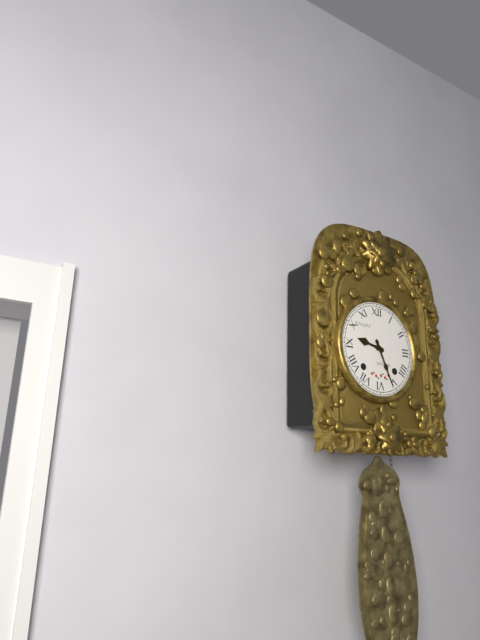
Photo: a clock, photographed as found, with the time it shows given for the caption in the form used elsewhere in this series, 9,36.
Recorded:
9,26
